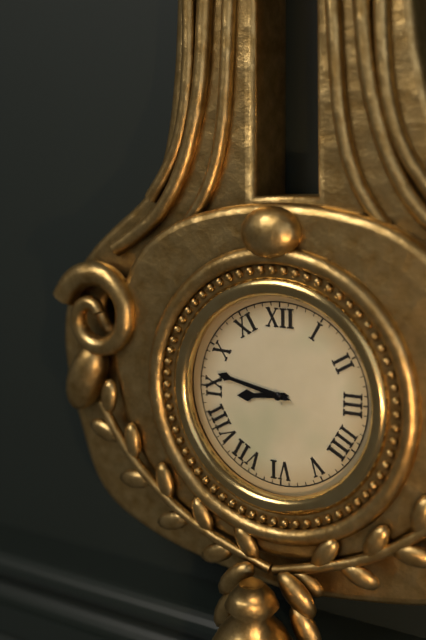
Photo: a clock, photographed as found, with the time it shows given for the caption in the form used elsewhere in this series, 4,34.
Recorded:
8,47
